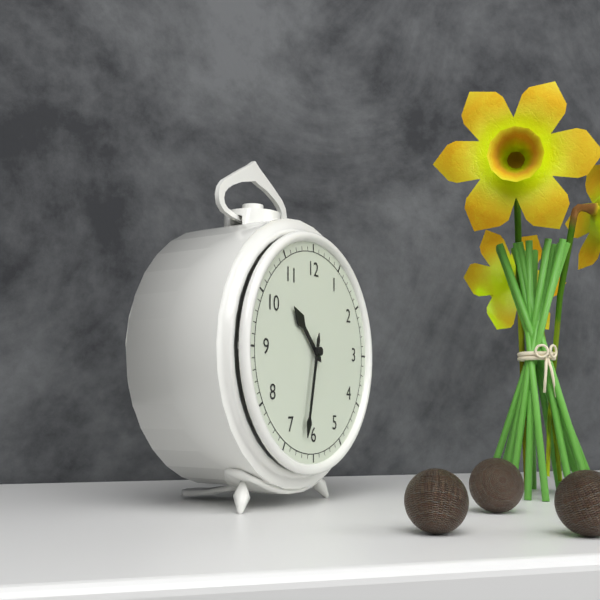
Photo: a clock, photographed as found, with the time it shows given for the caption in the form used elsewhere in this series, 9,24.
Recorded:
10,32
